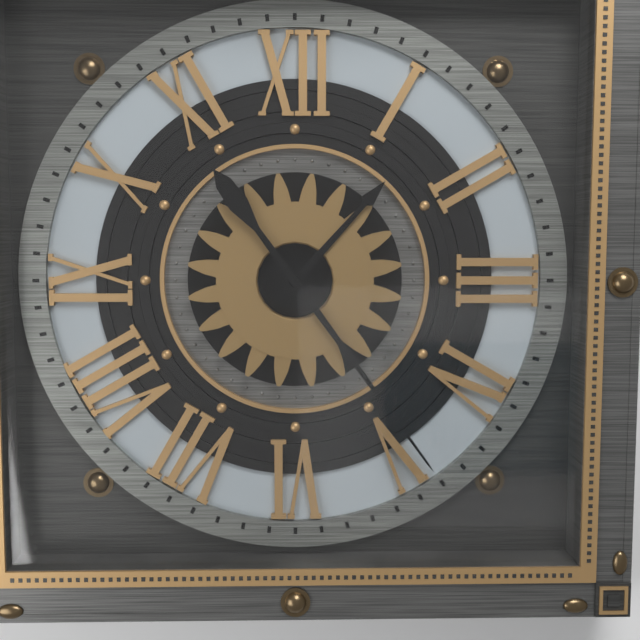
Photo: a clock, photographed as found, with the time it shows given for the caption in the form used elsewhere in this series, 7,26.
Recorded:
1,24
